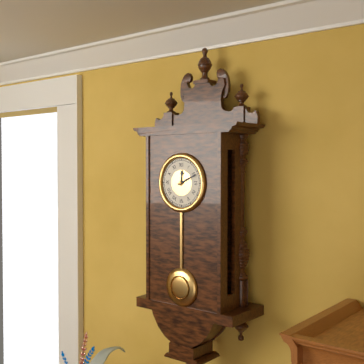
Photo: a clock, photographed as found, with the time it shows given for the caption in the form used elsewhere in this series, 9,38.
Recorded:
12,11
